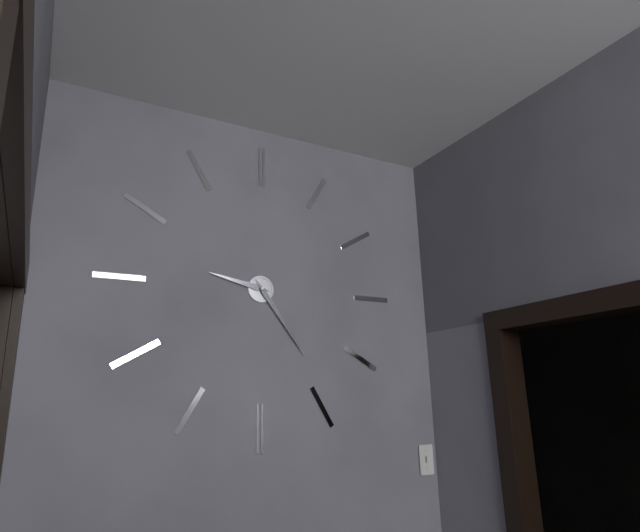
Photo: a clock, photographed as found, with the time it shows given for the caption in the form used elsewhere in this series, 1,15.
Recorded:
9,24
